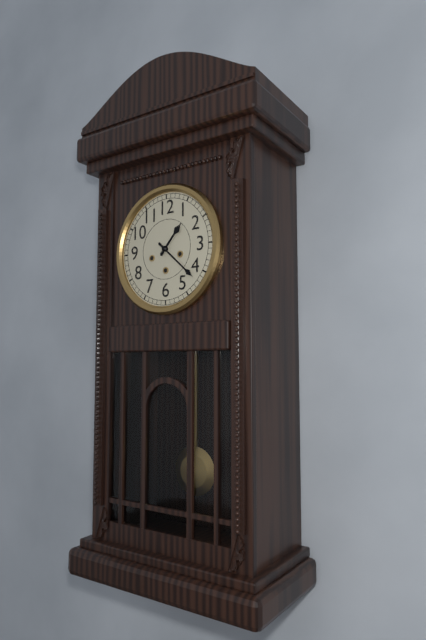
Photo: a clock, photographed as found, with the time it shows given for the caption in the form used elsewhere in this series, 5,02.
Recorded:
1,22
